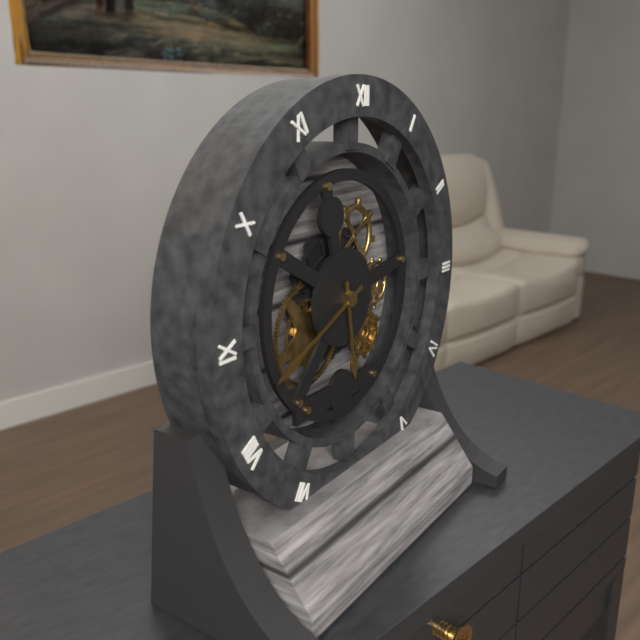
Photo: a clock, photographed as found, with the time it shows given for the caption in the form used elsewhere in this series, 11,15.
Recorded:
5,41
